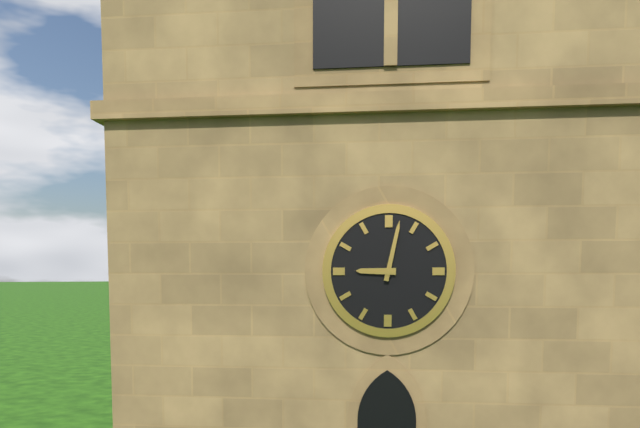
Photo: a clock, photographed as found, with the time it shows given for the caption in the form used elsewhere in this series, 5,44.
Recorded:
9,02
